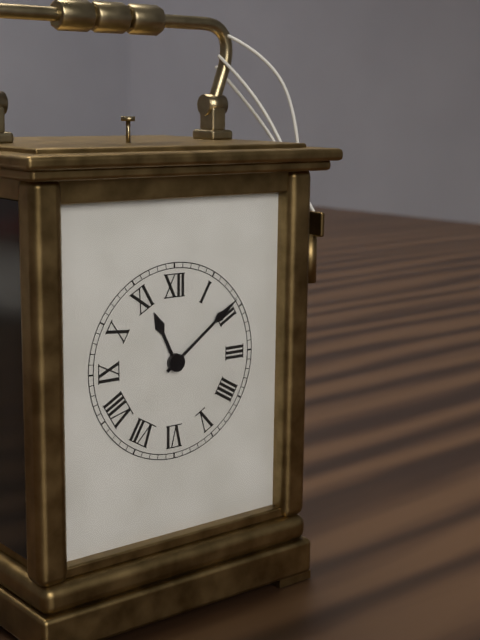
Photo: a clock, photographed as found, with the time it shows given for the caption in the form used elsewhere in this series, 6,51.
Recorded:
11,09
